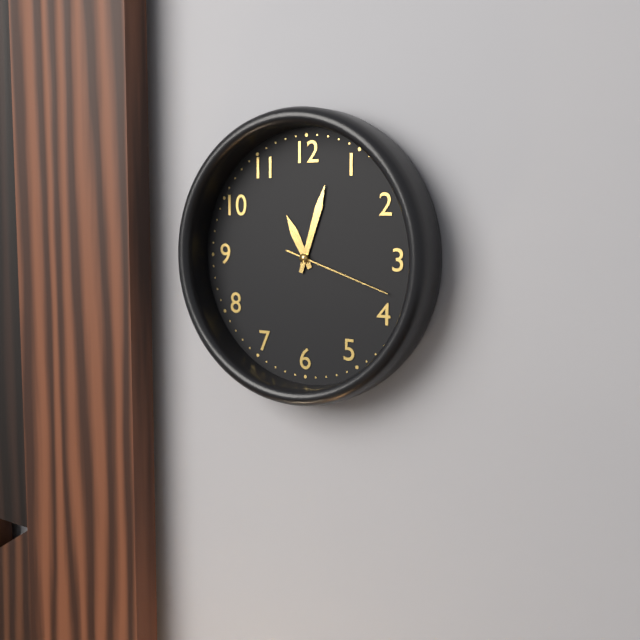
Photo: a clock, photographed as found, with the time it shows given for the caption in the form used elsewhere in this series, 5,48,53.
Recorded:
11,03,18
